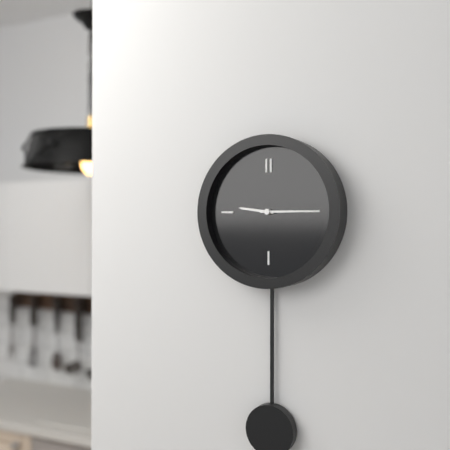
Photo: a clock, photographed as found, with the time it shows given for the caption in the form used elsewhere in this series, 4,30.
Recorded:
9,15
